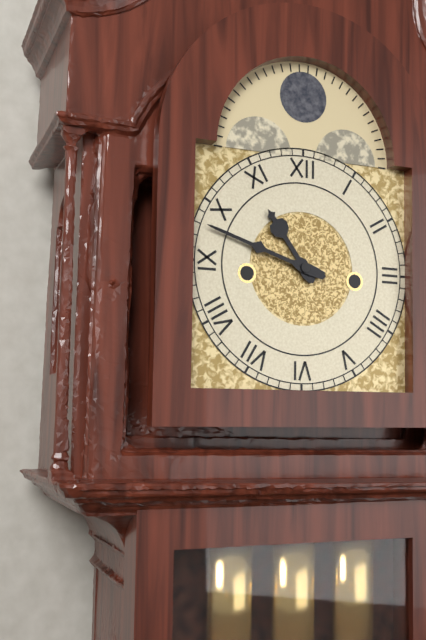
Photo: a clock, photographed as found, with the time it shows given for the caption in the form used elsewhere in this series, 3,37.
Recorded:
10,48
